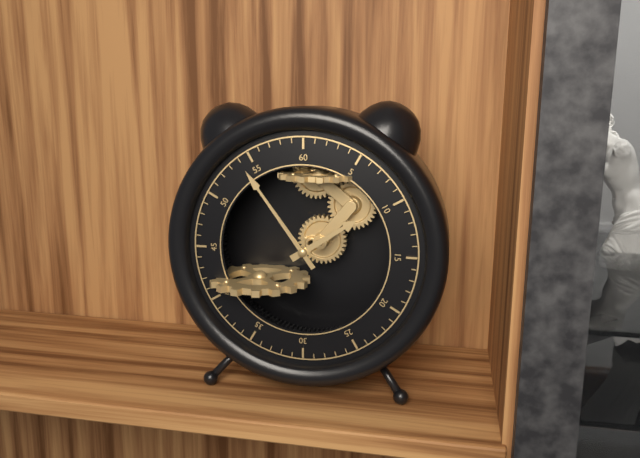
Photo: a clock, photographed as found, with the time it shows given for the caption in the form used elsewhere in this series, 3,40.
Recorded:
1,54
